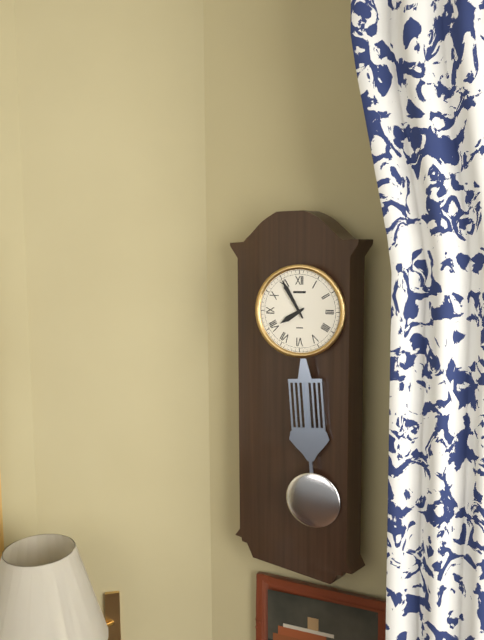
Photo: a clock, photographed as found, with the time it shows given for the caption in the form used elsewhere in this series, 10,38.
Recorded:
7,55
